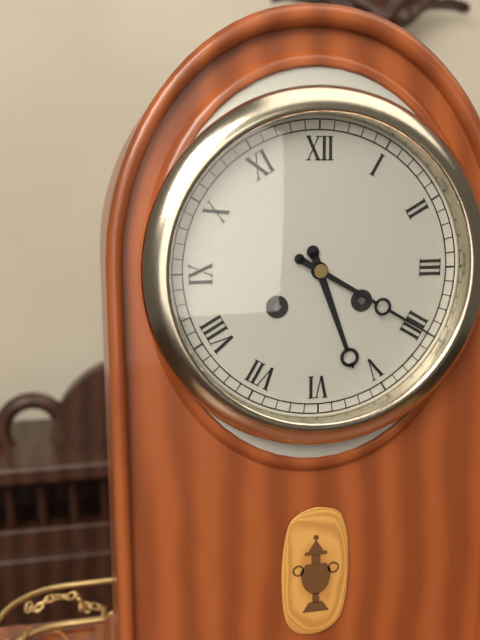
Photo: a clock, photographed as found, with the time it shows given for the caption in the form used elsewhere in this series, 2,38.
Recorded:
5,20
